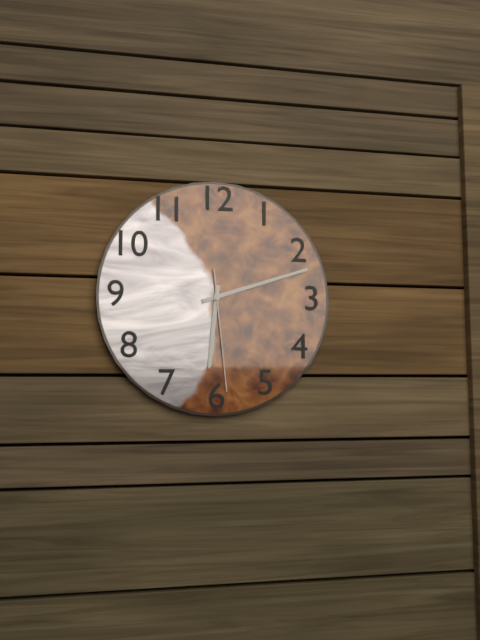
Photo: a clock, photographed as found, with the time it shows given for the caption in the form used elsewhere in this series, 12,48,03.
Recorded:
6,12,29
